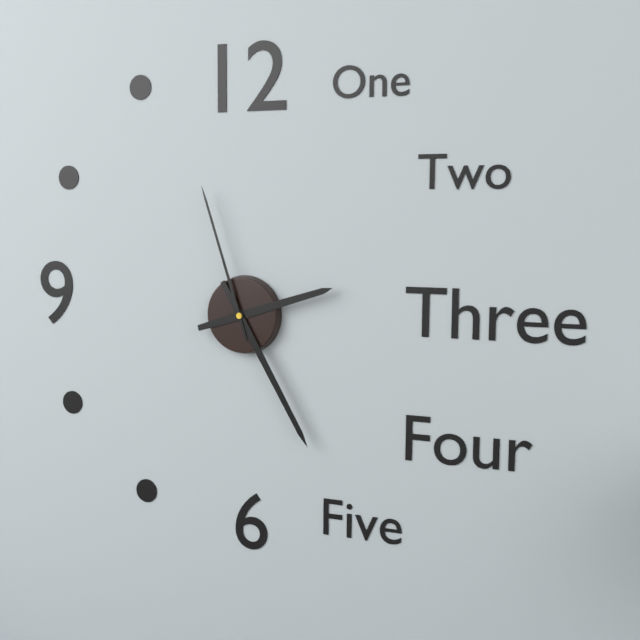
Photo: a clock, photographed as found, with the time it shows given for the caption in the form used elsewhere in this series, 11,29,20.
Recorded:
2,25,57
